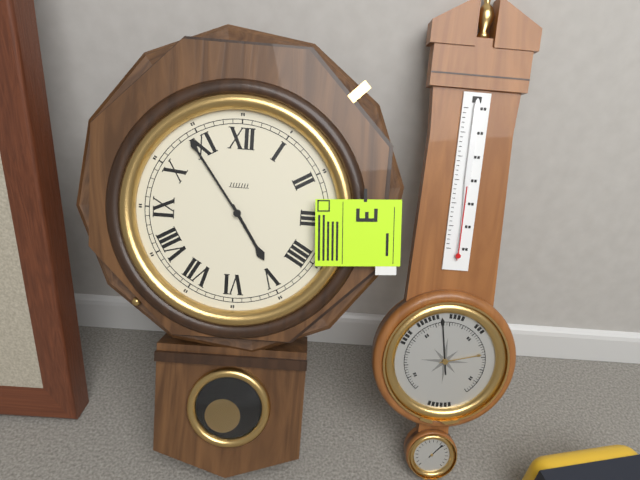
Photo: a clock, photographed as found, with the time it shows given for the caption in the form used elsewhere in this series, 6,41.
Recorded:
4,54
